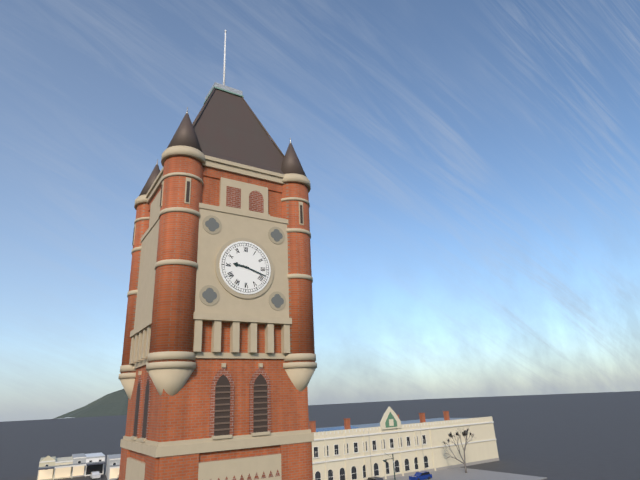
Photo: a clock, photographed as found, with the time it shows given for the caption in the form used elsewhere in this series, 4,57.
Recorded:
9,18
